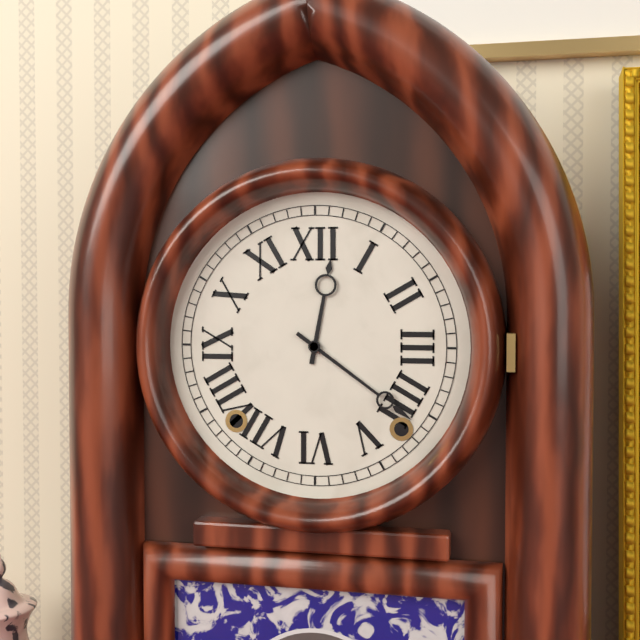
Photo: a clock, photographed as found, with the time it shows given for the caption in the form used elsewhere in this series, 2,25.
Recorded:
12,21
